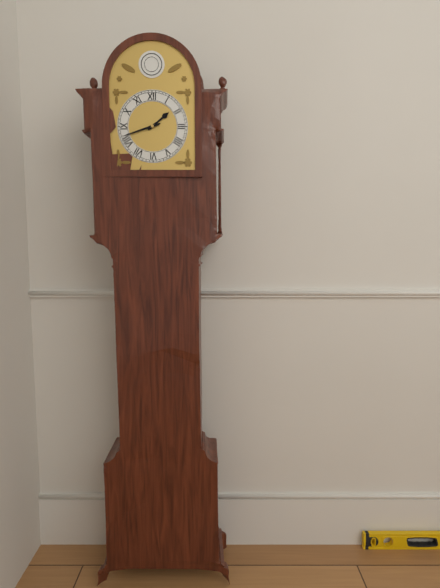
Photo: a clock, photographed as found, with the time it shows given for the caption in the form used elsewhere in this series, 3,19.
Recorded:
1,42
